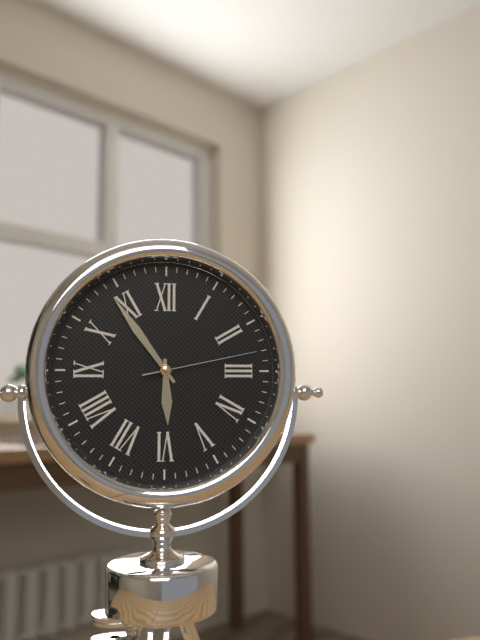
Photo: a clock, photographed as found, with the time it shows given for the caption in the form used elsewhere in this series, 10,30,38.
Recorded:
5,54,13
